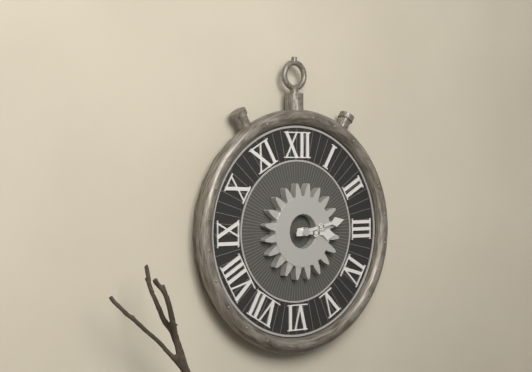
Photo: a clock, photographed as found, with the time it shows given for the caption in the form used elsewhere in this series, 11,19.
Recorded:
3,13
